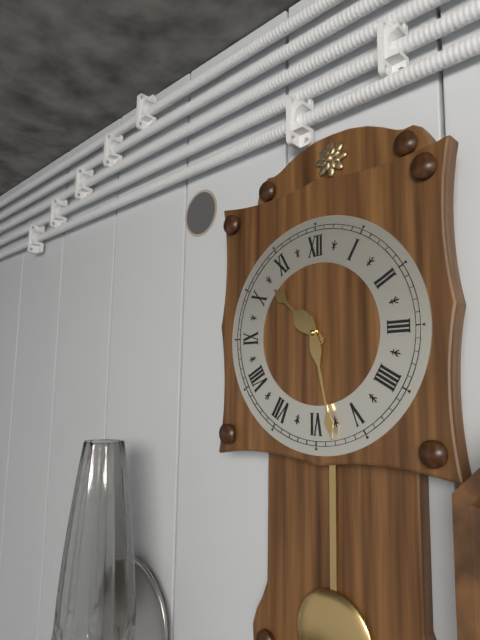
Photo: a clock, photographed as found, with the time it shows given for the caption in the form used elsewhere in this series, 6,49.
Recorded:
10,28
